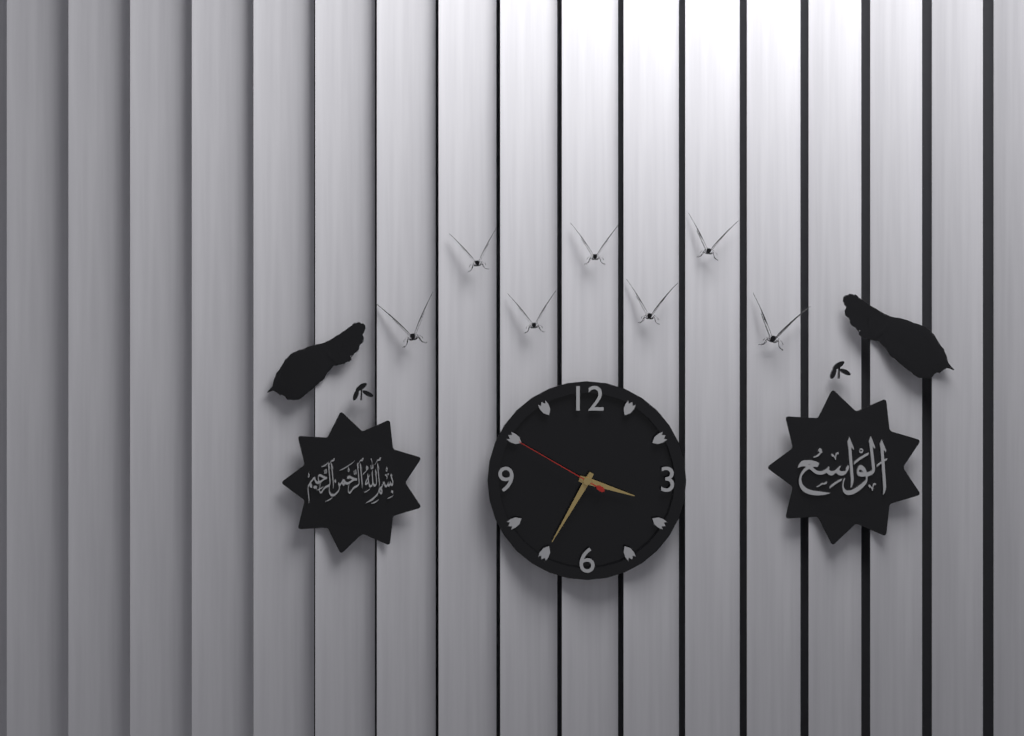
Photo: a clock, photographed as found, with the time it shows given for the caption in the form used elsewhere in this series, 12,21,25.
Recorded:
3,35,50
